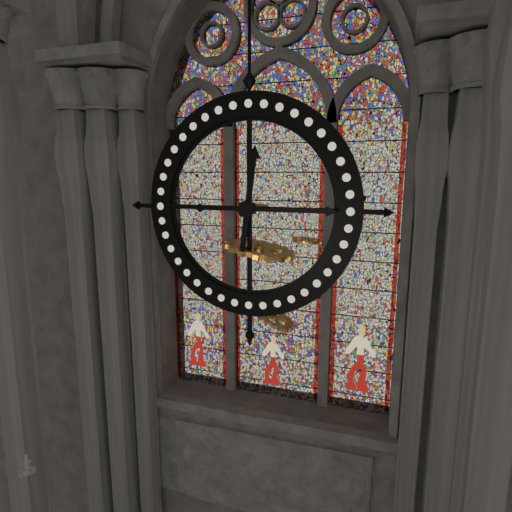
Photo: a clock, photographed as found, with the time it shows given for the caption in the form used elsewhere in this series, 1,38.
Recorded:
12,15
